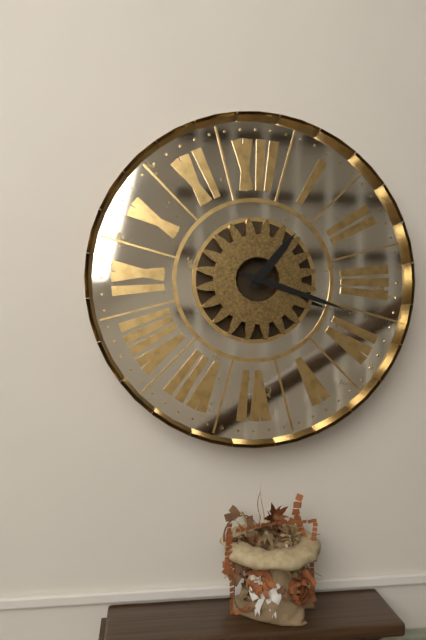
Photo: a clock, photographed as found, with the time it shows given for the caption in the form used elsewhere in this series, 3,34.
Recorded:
1,18
